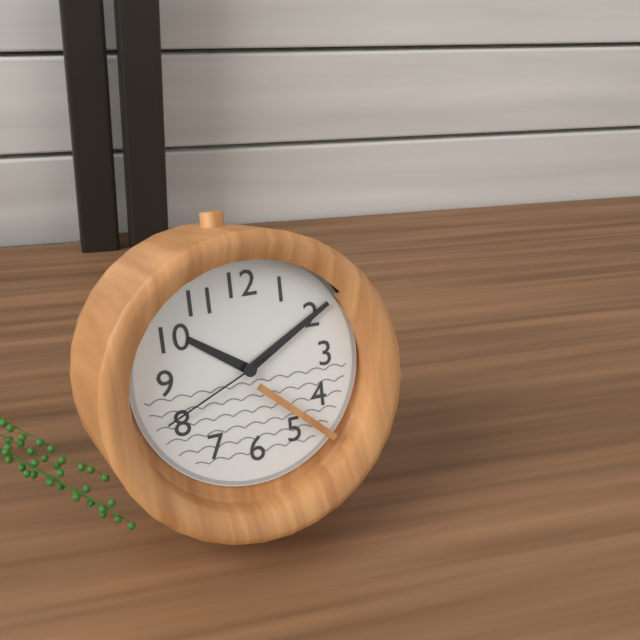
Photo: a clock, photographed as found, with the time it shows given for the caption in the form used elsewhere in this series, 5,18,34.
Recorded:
10,10,41
